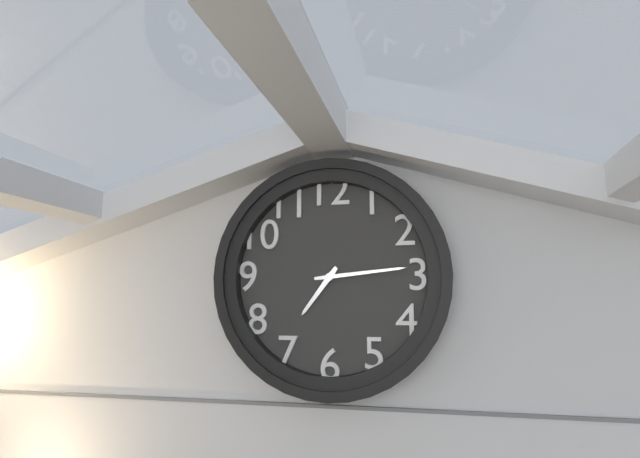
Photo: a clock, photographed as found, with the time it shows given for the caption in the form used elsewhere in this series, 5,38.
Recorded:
7,14
